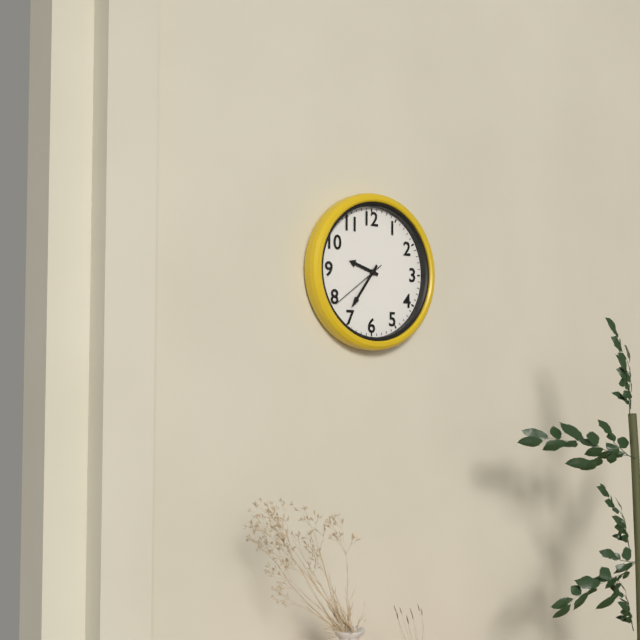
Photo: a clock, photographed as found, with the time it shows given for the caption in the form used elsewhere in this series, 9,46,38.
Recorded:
9,36,39
